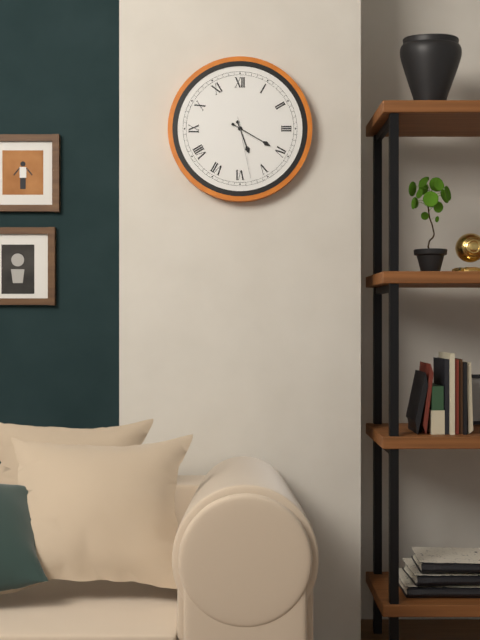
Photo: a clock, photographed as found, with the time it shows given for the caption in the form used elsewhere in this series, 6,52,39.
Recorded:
5,20,28
